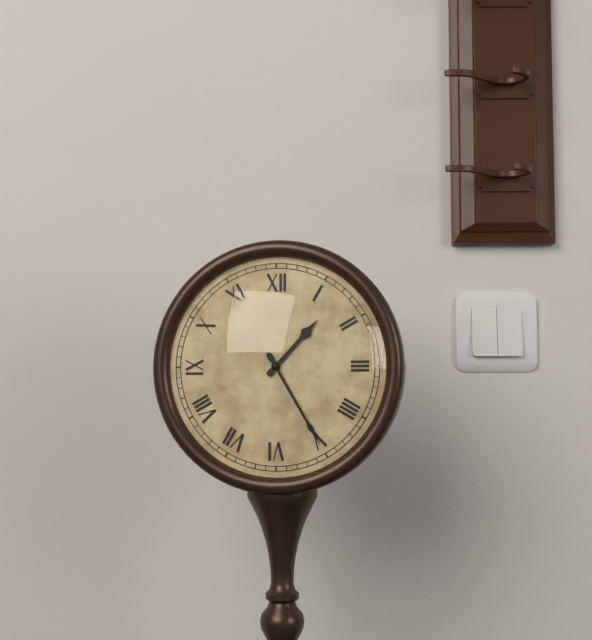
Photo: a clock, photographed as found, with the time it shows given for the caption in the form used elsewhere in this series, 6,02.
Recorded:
1,25
